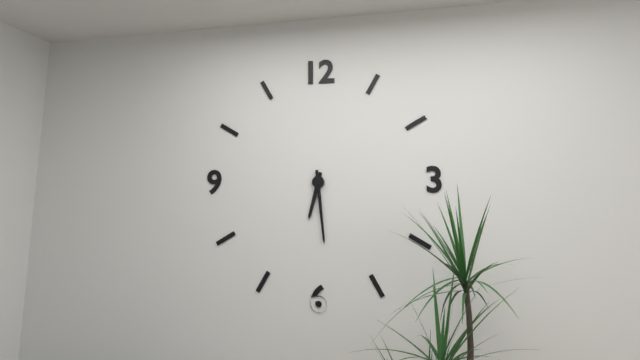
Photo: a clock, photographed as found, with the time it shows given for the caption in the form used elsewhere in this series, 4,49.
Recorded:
6,29
